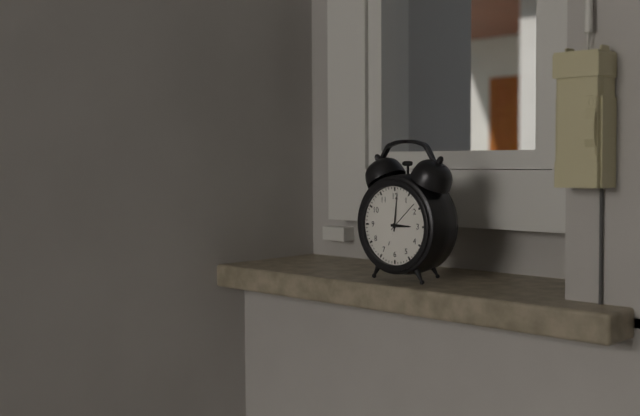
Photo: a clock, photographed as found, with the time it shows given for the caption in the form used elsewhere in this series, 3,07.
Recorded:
3,01
